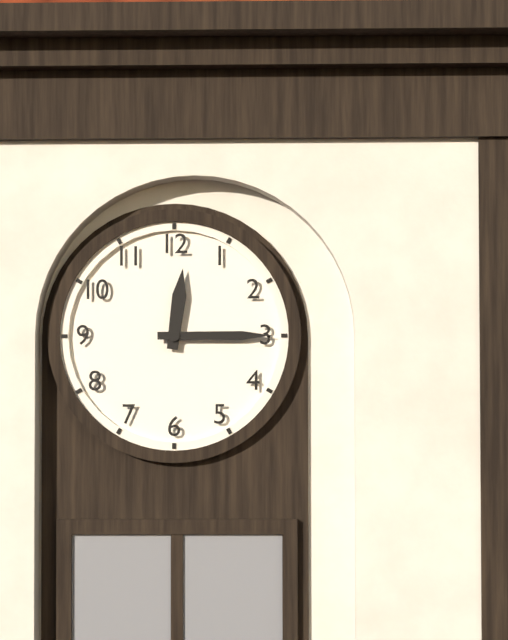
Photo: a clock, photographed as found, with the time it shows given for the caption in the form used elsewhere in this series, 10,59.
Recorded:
12,15
